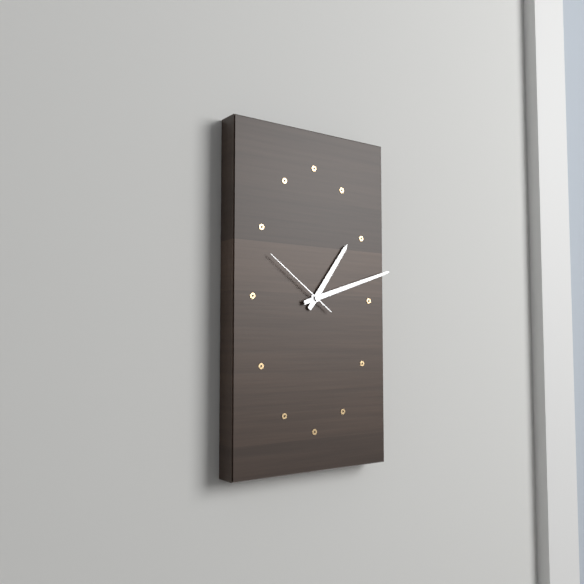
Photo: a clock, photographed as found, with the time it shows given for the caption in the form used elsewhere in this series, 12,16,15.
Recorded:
1,12,51
